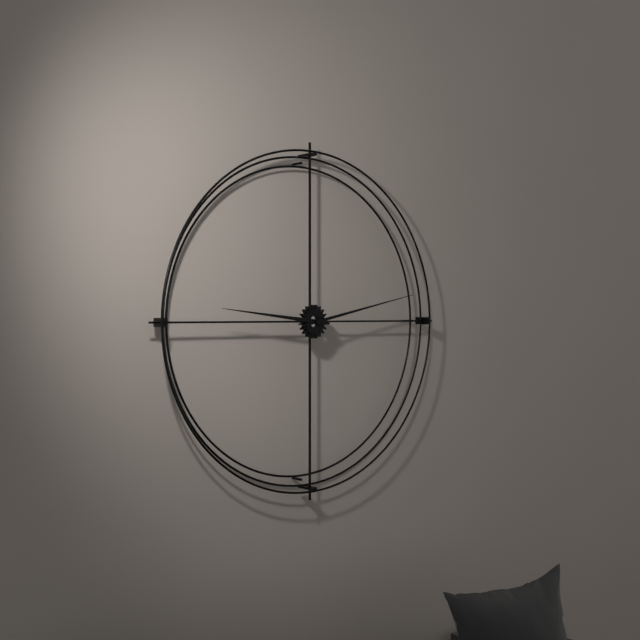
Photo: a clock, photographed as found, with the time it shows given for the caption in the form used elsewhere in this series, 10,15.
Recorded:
9,13
